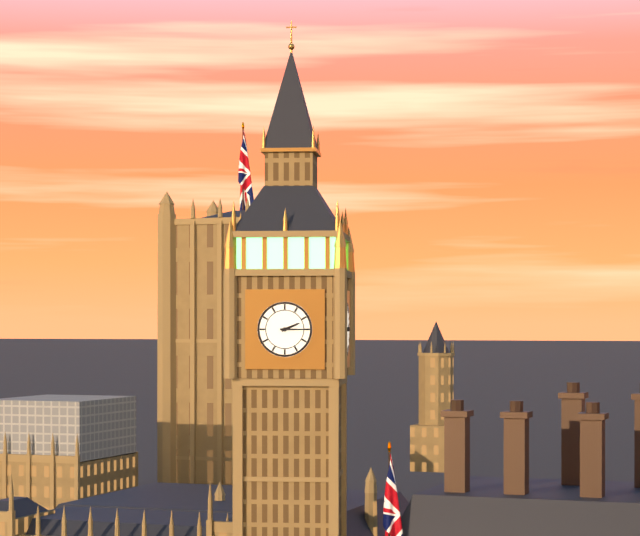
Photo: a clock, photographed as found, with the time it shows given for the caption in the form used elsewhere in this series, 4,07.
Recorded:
2,15
